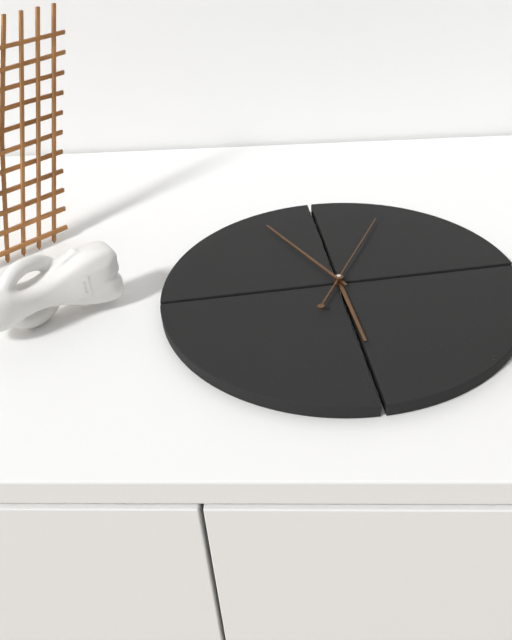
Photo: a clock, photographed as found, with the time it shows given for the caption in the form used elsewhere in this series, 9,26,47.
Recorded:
5,56,05
